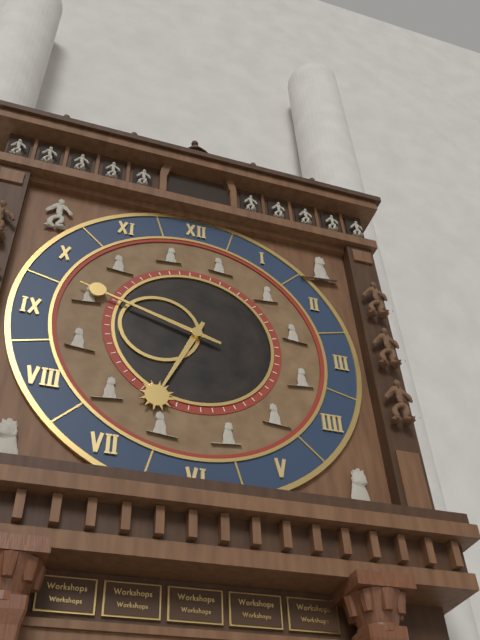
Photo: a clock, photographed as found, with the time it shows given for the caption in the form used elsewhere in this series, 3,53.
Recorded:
6,48
